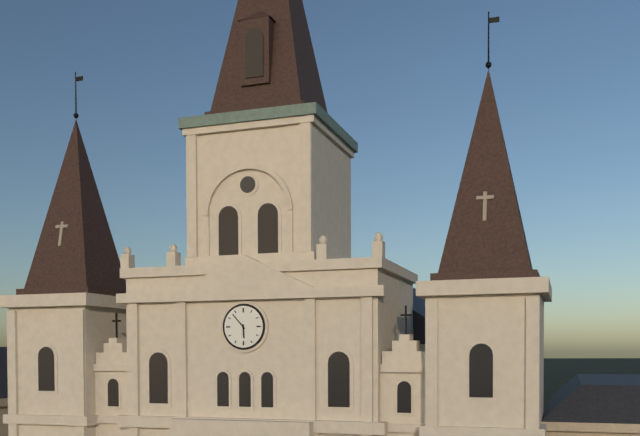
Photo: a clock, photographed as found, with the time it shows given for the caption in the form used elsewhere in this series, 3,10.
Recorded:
5,53
